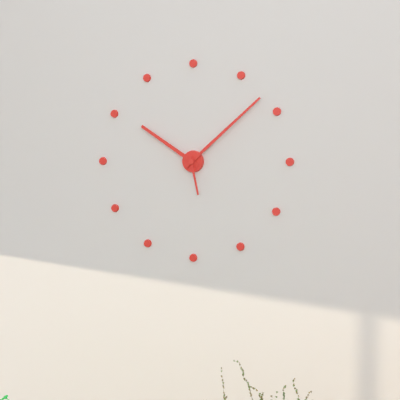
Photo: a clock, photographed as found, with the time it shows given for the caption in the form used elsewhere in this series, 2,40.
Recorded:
10,08
